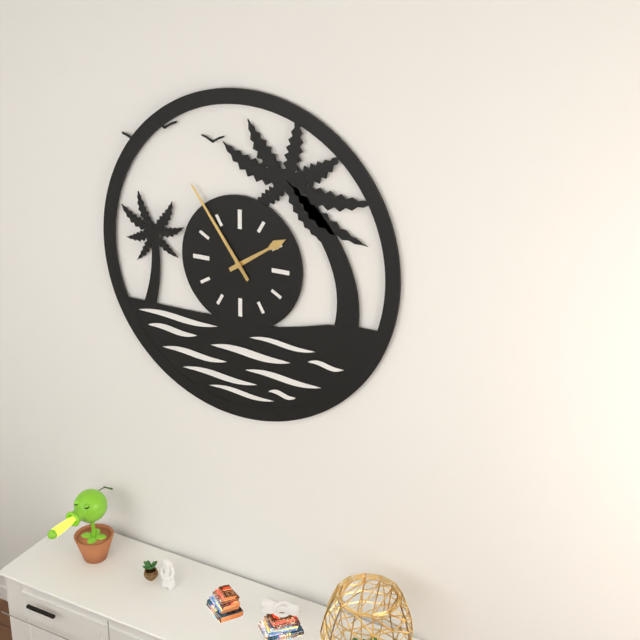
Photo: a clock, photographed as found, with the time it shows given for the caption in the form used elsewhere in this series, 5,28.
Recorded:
1,54
